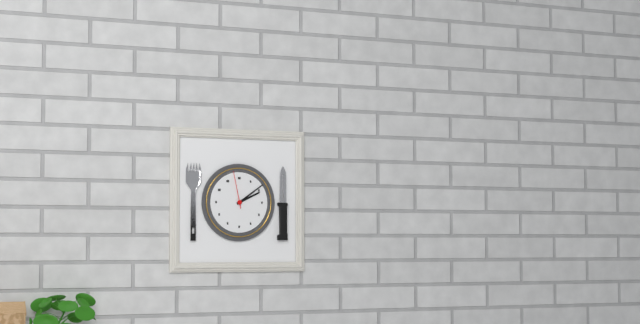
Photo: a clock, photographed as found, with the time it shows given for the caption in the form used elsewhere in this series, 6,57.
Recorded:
2,09
